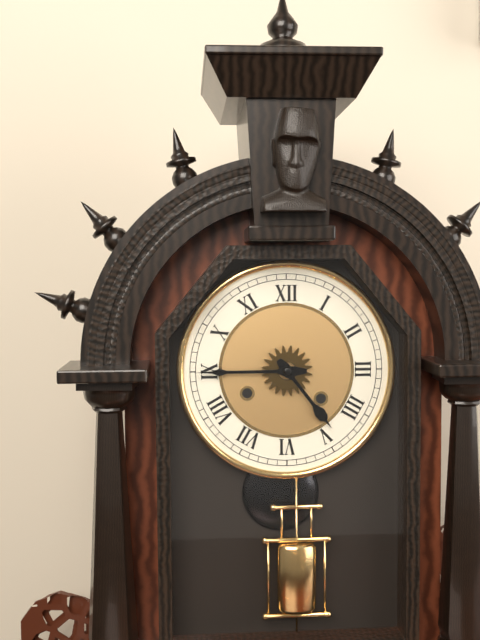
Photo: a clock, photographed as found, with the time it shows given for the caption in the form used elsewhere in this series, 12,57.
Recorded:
4,45
